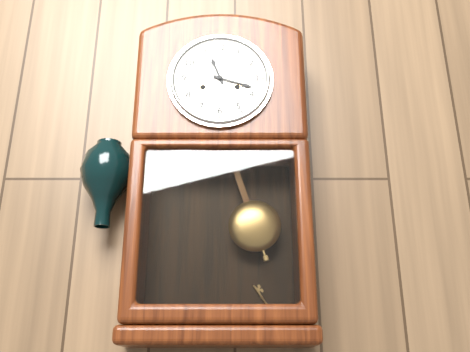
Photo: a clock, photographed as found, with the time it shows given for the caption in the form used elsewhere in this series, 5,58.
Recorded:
11,18
